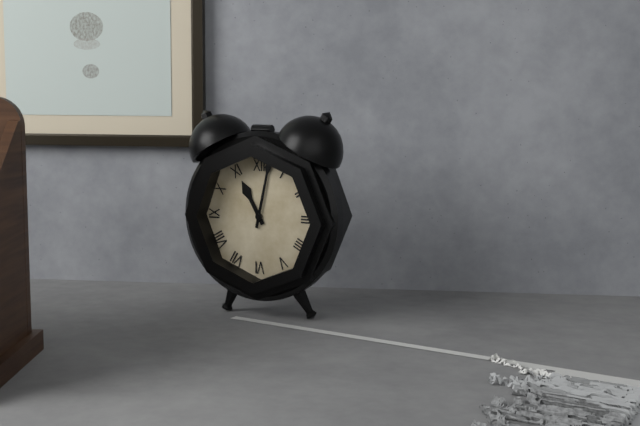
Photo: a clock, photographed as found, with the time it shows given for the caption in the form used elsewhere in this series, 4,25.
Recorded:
11,02
